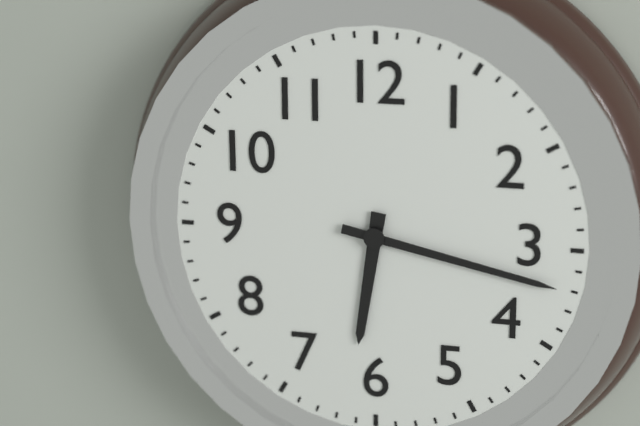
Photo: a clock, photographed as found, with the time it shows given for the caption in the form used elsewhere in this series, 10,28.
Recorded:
6,17
